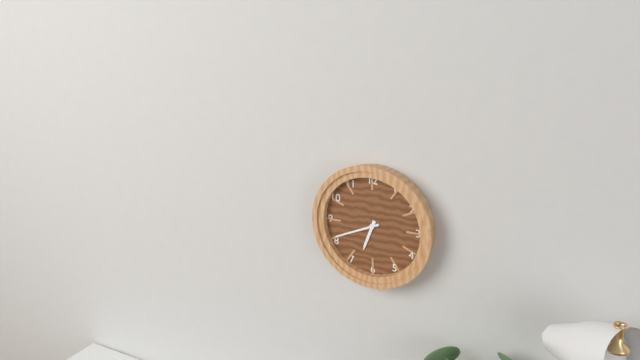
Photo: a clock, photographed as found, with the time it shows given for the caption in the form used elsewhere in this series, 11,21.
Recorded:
6,41
